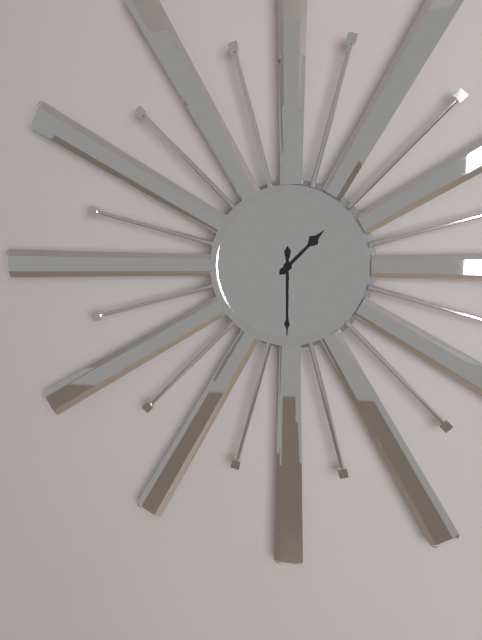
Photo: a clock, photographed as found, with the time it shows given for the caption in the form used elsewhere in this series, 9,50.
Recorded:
1,30
